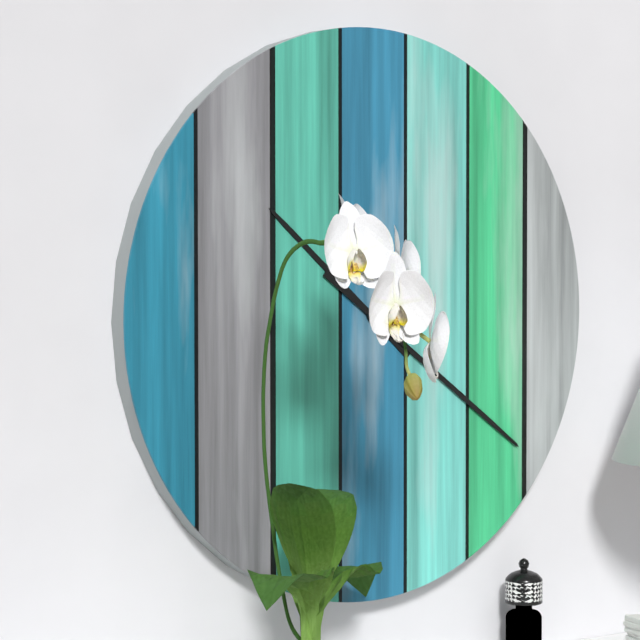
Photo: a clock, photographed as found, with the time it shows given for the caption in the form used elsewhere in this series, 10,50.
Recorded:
10,21
